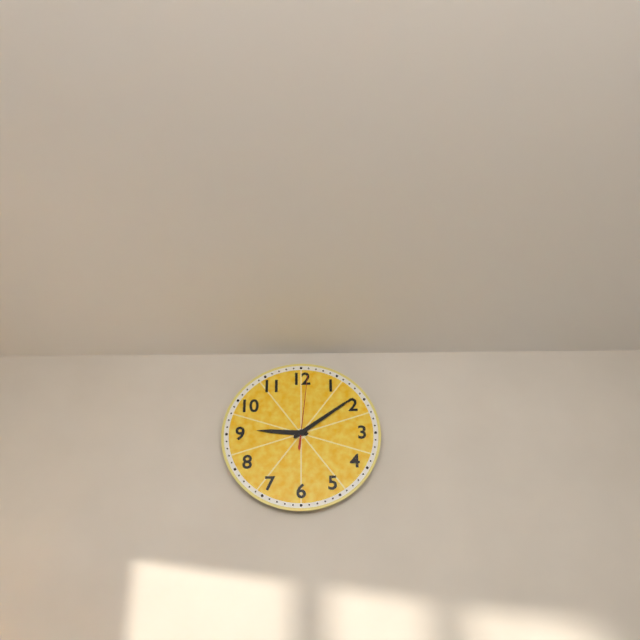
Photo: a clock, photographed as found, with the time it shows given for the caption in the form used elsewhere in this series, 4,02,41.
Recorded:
9,09,01
